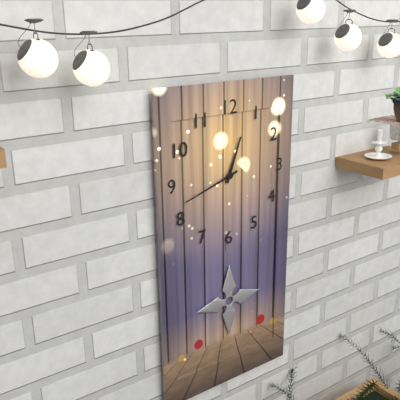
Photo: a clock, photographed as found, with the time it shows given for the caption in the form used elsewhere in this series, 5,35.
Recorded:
12,42
